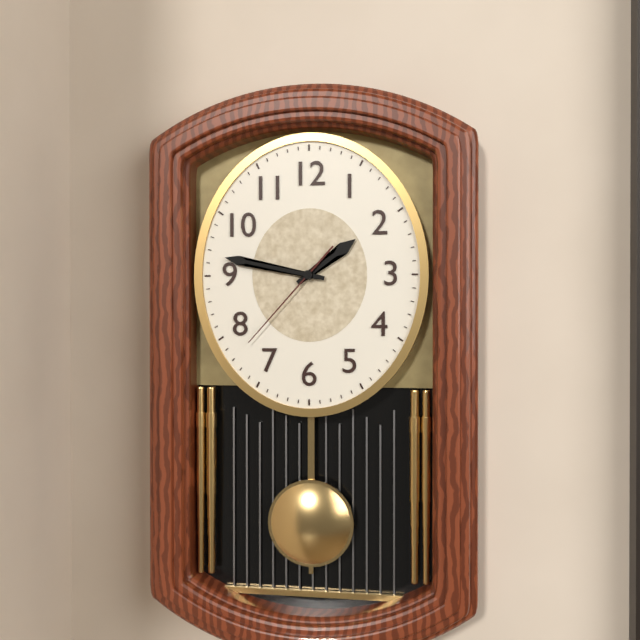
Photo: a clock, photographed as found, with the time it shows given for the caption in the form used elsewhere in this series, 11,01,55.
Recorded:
1,47,37
